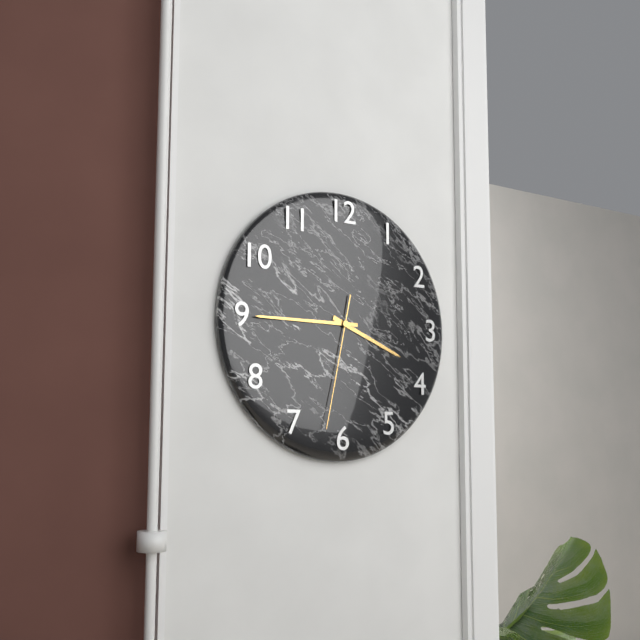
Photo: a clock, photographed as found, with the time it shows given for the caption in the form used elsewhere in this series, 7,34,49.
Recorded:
3,45,32
